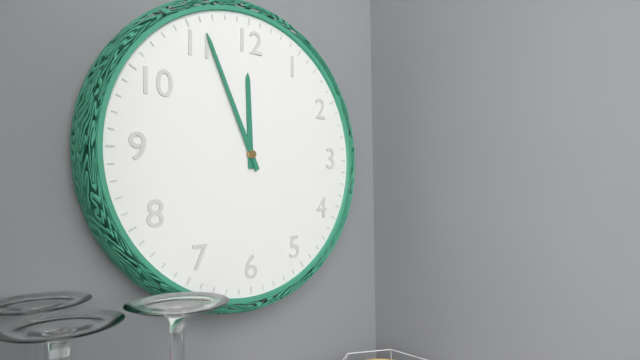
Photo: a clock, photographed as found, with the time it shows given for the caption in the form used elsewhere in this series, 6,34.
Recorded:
11,56
